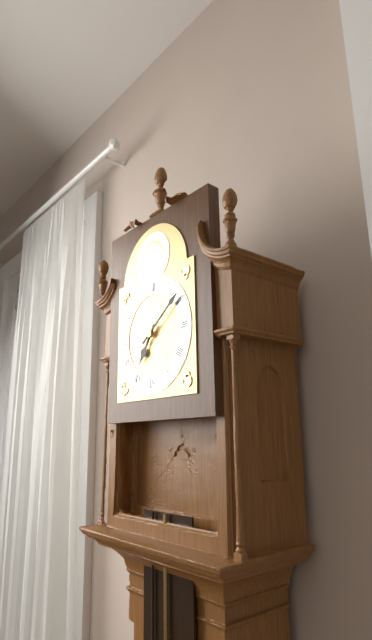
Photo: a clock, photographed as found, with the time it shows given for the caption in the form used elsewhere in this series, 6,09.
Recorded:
7,09
